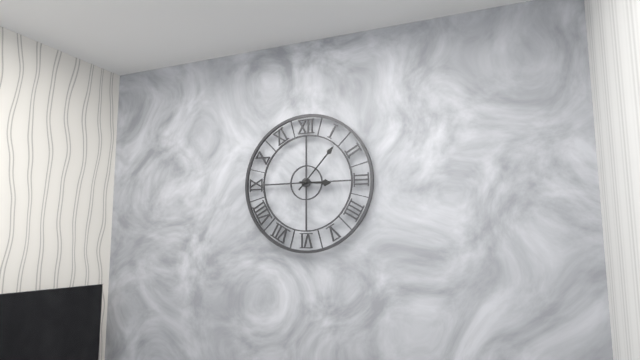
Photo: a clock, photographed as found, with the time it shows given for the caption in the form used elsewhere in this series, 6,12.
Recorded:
3,07
